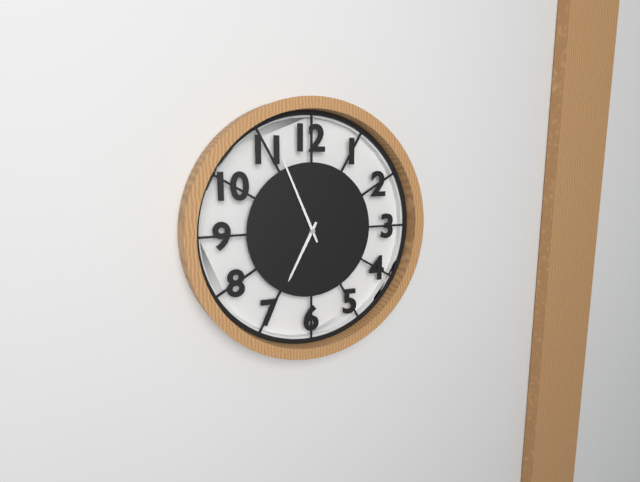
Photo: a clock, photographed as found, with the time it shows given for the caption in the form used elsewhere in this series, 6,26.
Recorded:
6,56
